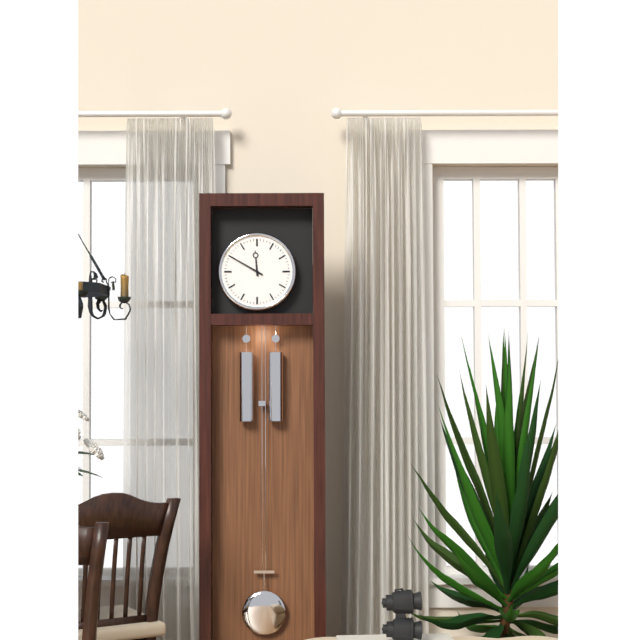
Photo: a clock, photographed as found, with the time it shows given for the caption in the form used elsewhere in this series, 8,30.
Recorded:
11,50
